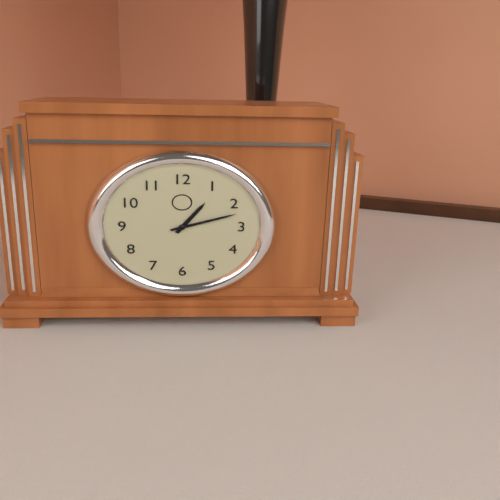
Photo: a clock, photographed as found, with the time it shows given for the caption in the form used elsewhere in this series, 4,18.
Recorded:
1,12
